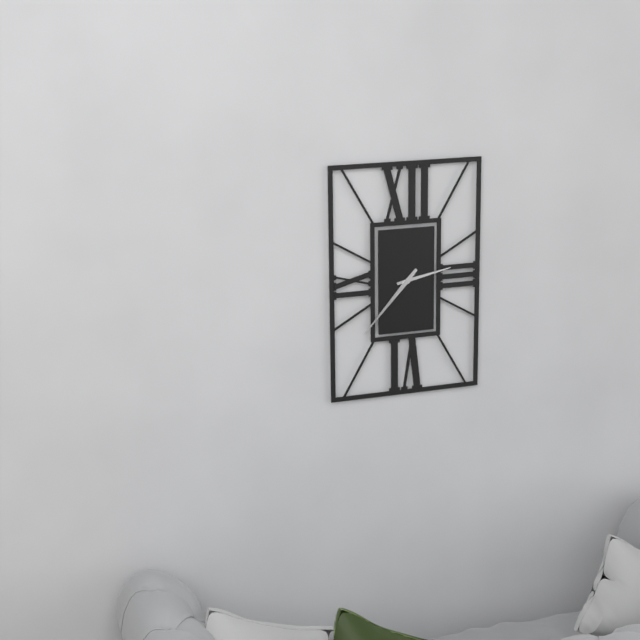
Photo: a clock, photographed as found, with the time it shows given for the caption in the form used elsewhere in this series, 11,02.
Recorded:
2,37
